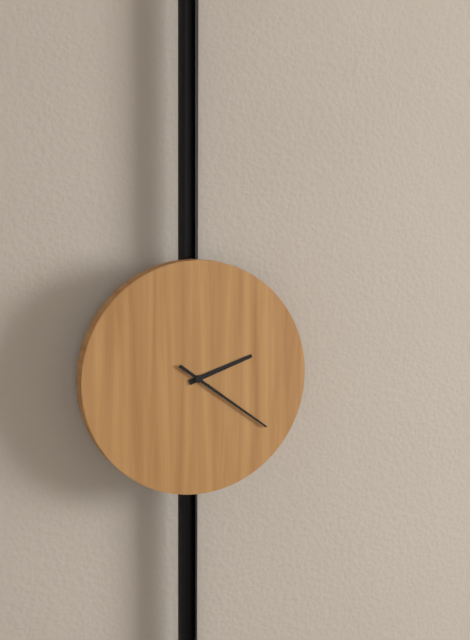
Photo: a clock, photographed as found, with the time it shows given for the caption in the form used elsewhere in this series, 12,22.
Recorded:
2,21
